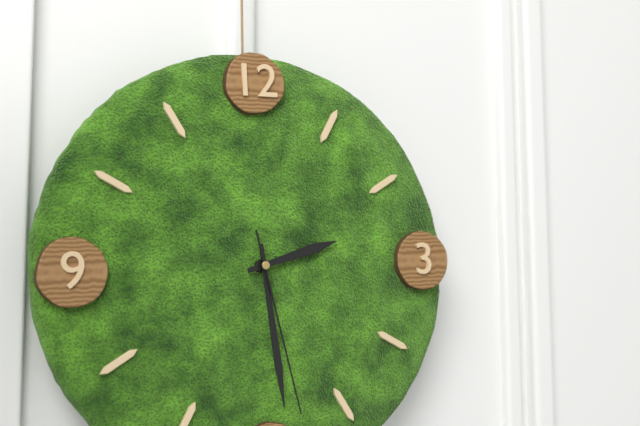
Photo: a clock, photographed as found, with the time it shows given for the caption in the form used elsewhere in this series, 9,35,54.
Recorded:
2,29,28
